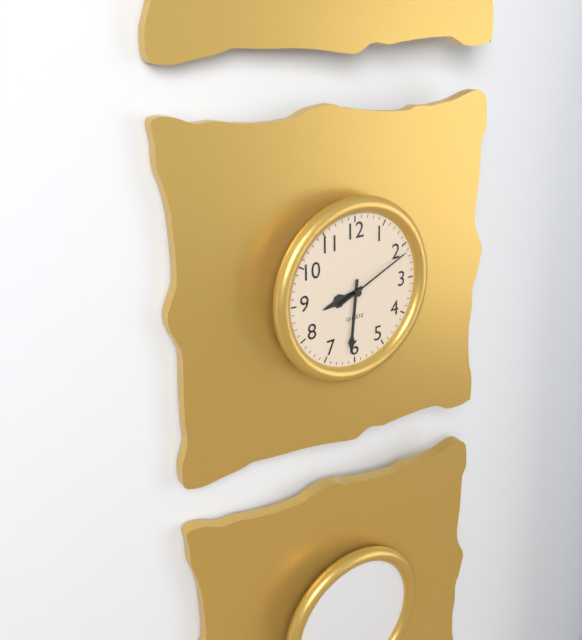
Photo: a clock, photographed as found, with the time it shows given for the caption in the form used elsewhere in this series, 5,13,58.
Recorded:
8,31,11
